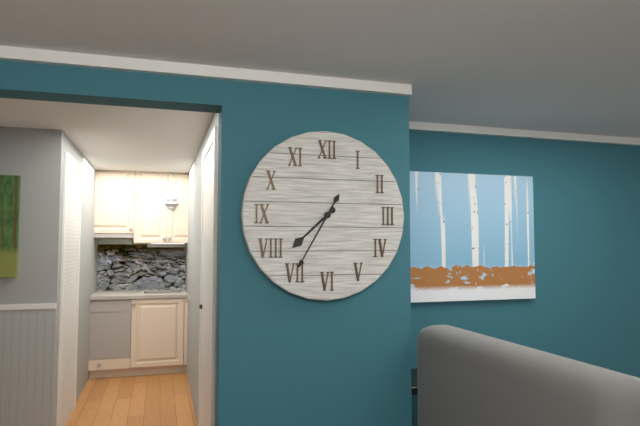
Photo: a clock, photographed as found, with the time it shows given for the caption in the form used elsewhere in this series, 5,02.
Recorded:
7,35
